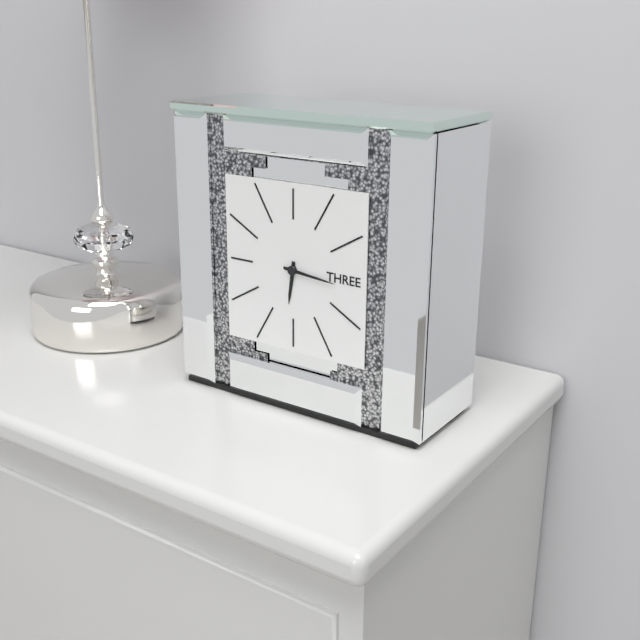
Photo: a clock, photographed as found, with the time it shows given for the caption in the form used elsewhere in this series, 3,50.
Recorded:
6,16
